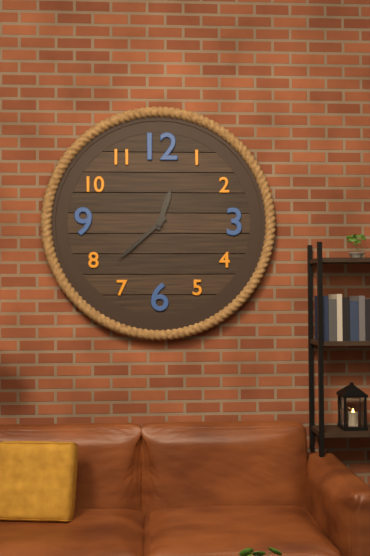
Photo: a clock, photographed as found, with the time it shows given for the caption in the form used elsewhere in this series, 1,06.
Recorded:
12,38
